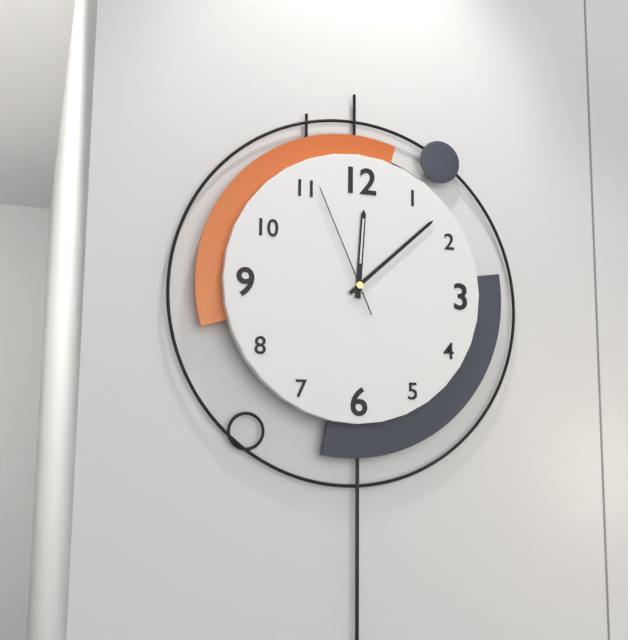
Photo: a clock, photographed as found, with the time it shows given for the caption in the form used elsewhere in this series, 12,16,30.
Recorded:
12,08,56
